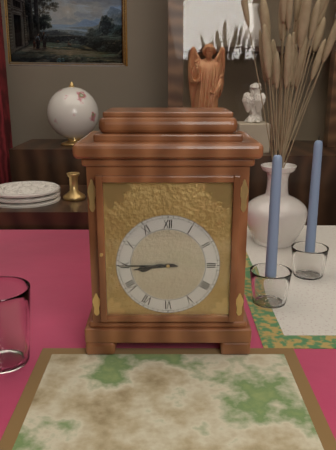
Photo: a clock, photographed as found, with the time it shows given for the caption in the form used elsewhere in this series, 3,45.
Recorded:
8,45
